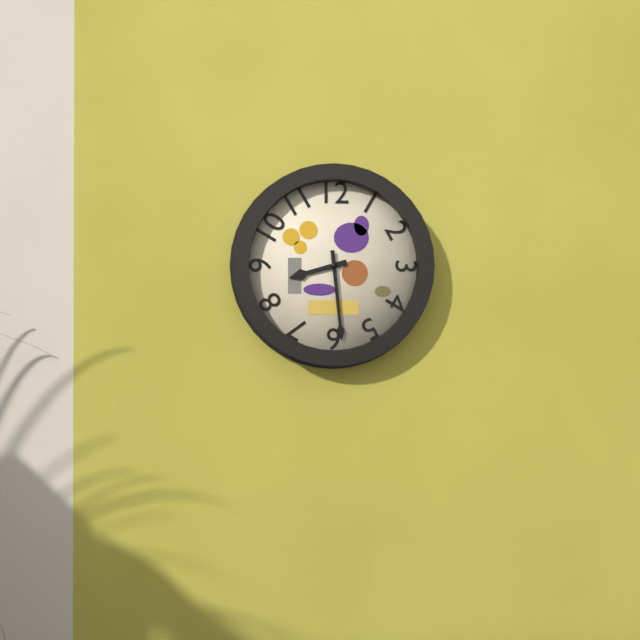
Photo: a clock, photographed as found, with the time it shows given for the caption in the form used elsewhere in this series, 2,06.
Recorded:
8,29
